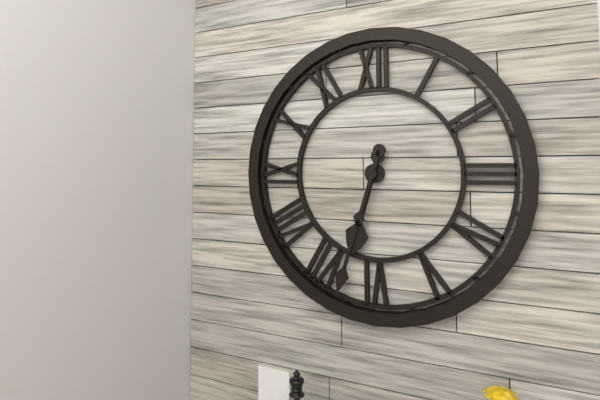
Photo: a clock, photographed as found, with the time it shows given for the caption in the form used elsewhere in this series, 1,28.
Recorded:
6,33
